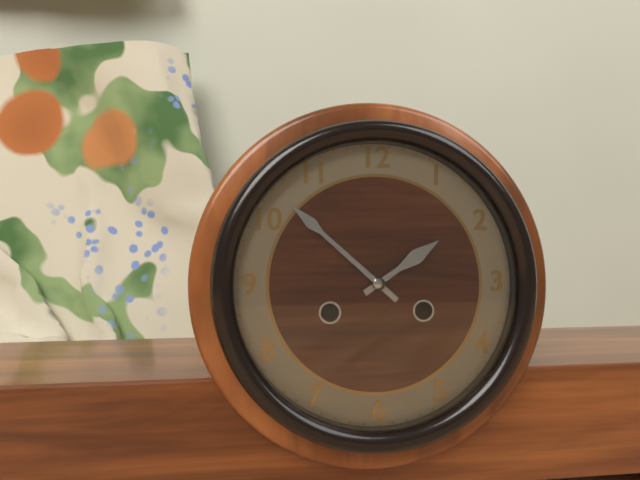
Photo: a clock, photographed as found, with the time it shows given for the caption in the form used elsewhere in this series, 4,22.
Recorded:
1,52
